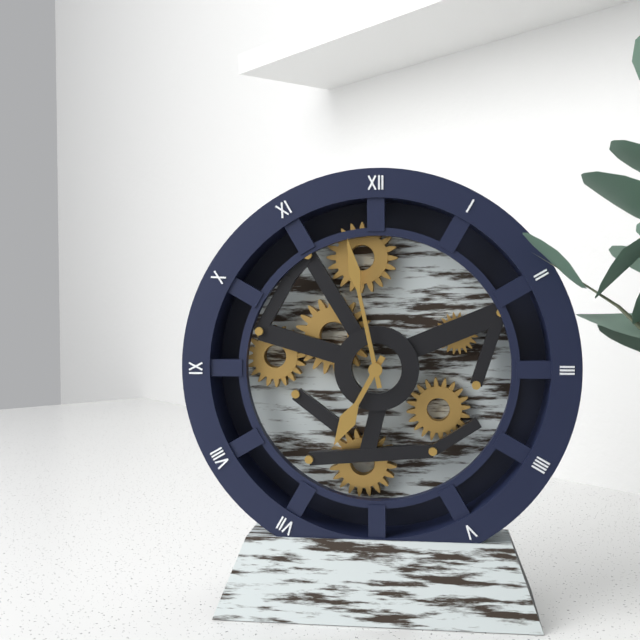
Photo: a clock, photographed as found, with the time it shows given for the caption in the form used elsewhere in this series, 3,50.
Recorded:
6,58
